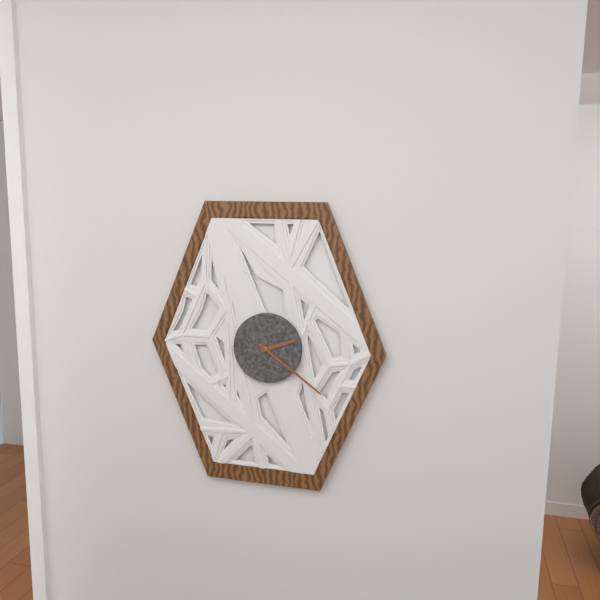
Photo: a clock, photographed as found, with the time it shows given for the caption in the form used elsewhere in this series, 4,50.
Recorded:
2,21
